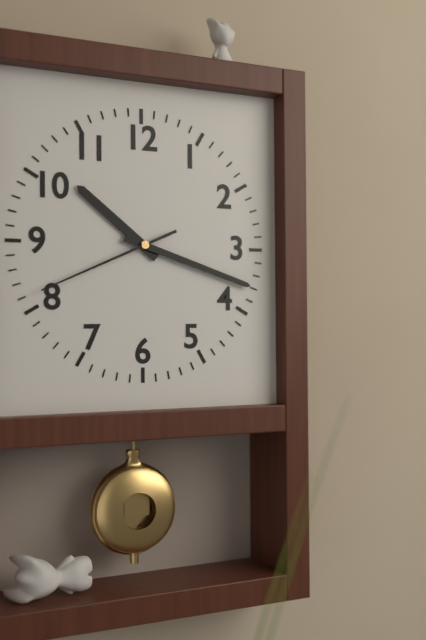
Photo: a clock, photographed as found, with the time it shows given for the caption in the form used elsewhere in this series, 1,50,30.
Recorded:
10,18,41
